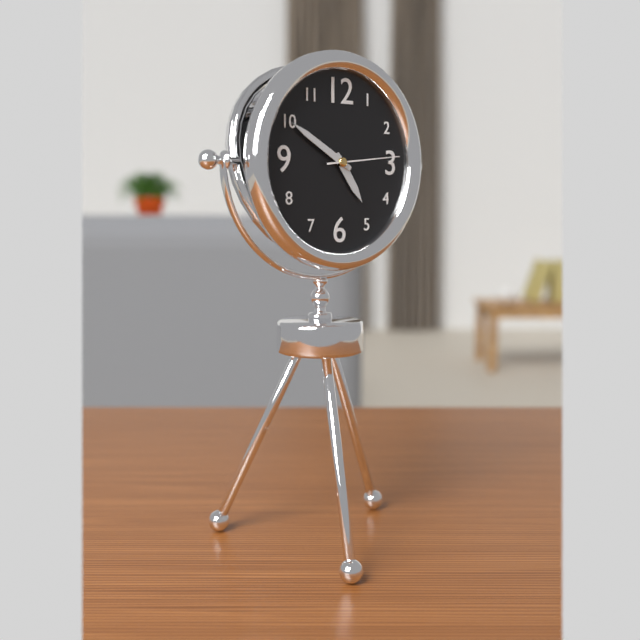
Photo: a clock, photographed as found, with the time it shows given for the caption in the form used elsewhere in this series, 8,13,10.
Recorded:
4,50,14
